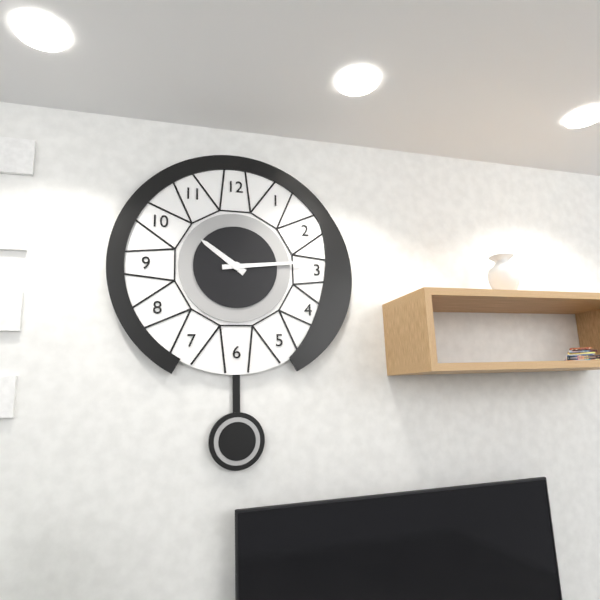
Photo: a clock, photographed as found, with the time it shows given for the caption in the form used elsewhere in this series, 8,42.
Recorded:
10,14
